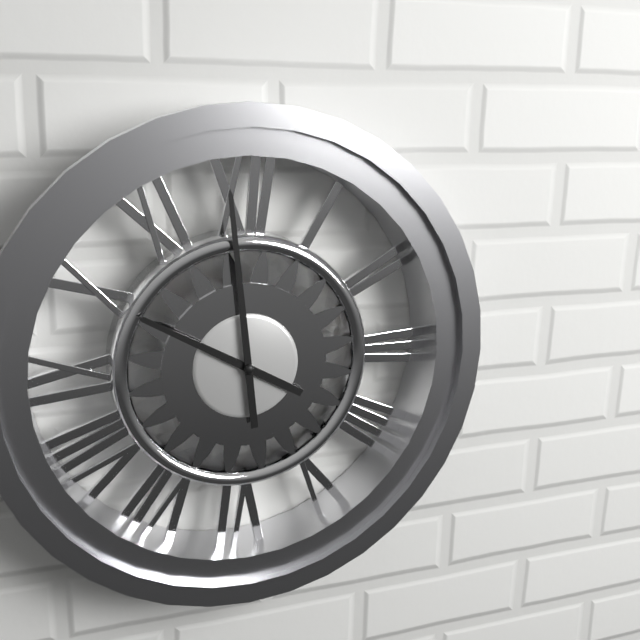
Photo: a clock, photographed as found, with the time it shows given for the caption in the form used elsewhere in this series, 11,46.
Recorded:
9,59
